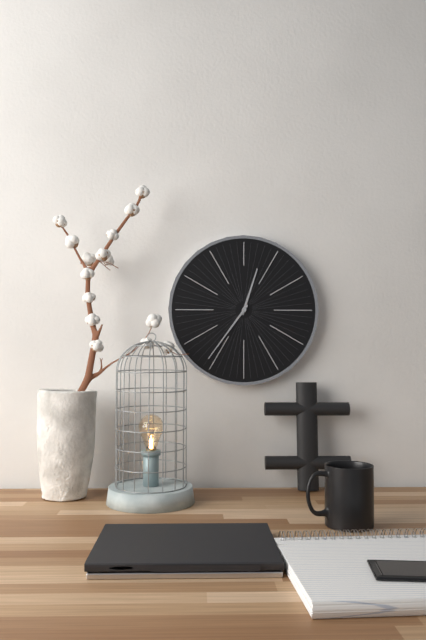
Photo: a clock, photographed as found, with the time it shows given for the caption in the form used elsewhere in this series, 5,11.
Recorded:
12,36
